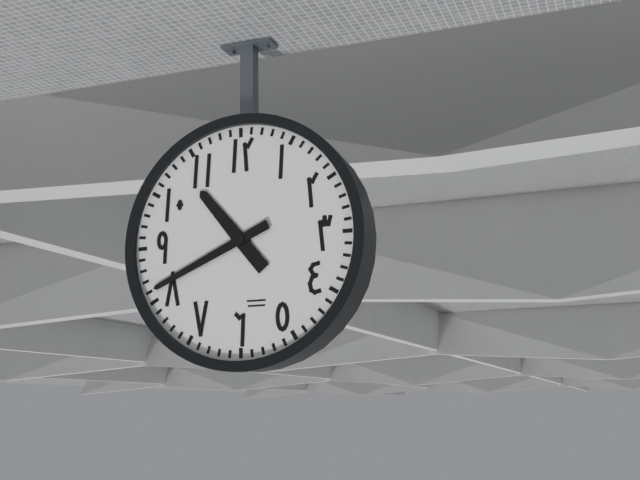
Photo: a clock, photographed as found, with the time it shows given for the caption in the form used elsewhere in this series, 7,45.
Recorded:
10,41
